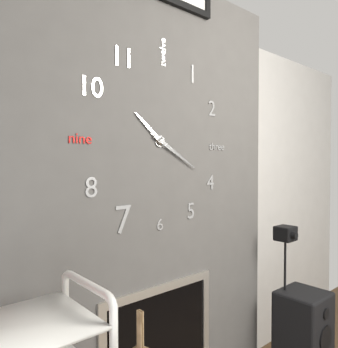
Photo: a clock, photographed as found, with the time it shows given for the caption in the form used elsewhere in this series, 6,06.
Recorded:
10,20
